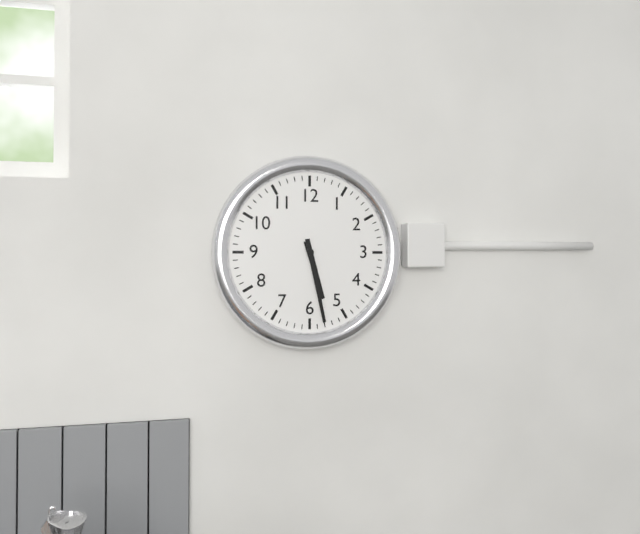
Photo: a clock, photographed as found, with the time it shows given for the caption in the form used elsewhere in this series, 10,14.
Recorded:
5,28
